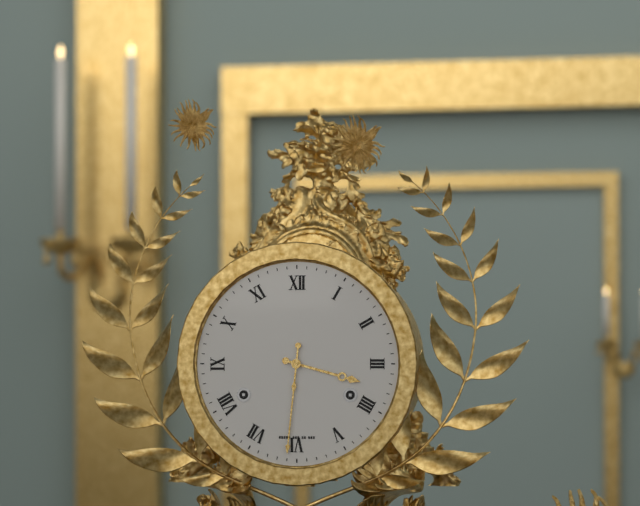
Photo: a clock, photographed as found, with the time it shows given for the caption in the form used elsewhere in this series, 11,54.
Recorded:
3,31
